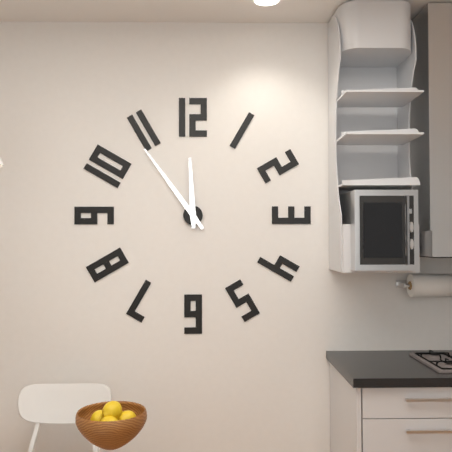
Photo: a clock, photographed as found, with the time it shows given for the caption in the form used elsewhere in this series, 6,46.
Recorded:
11,54
